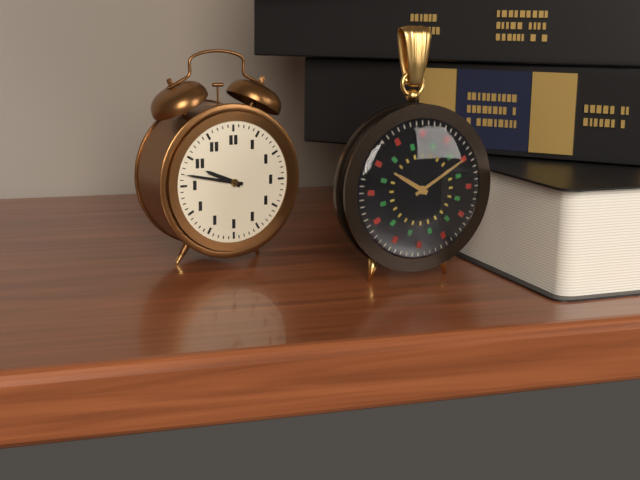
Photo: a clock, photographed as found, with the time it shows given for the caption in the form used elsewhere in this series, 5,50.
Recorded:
9,47
